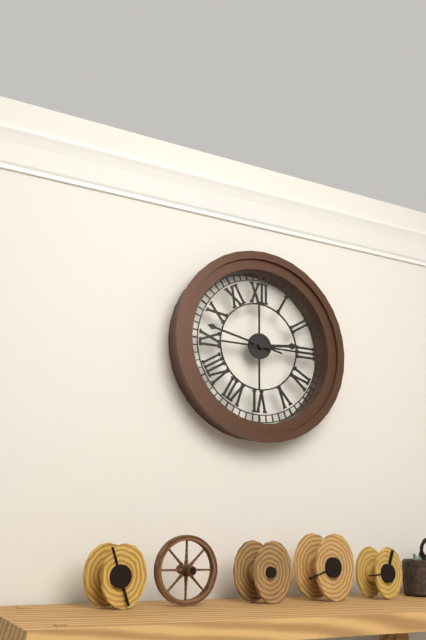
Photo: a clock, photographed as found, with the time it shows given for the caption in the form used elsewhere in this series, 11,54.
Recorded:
2,47
